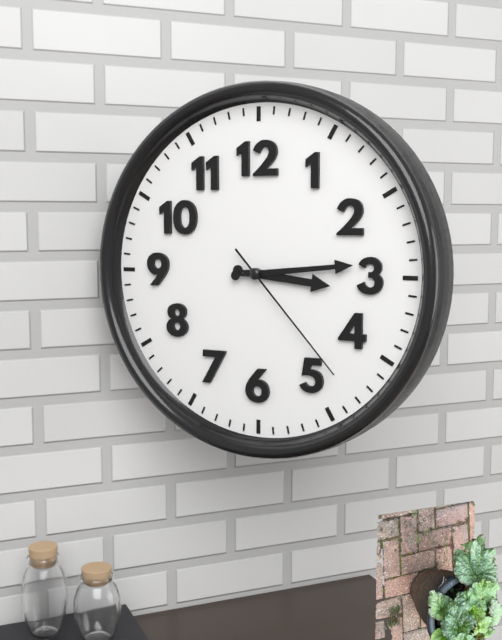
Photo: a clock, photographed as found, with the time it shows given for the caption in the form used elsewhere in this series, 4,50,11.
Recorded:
3,14,23
